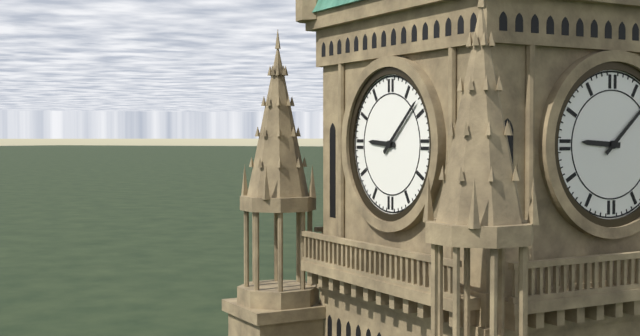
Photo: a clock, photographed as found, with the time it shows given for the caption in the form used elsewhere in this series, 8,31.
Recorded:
9,08
